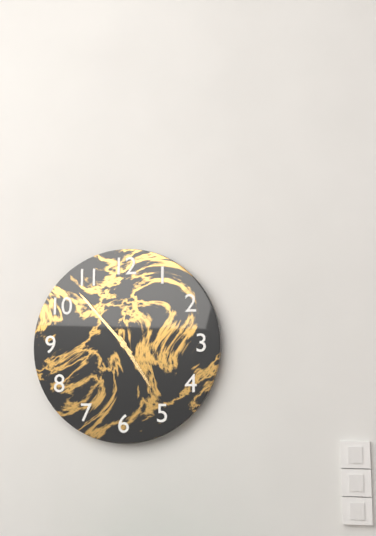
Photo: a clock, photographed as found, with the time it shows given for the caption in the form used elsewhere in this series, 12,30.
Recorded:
4,53
